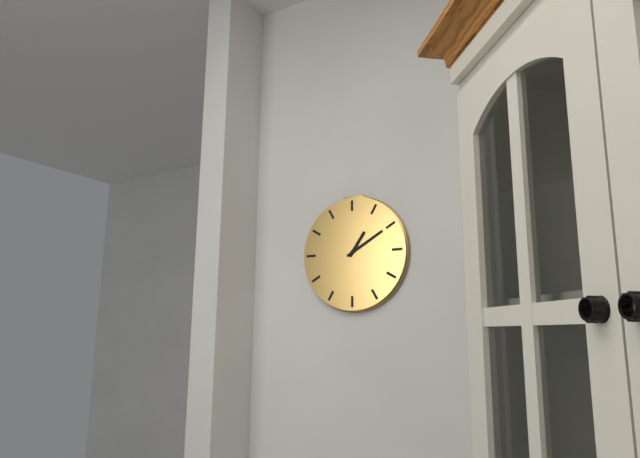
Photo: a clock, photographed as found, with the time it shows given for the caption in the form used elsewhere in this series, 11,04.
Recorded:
1,10
